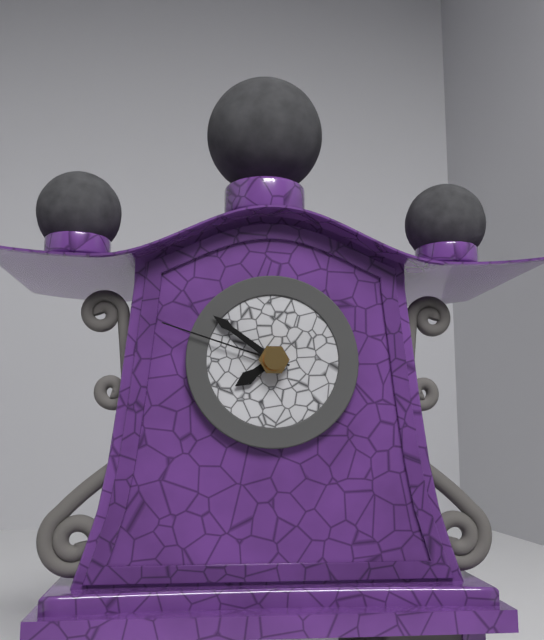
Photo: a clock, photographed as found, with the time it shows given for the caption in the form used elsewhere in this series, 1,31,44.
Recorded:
7,51,48
